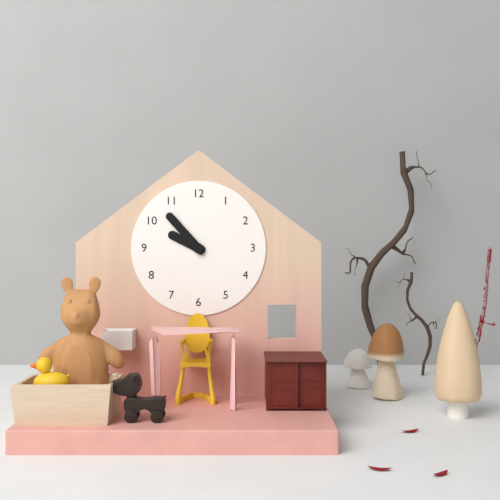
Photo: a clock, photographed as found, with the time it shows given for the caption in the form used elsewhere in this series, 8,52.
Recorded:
9,53
